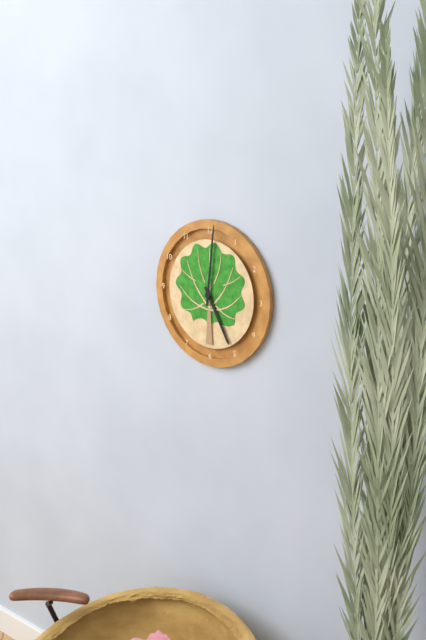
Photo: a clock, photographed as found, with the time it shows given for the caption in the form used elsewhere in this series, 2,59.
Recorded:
5,01
